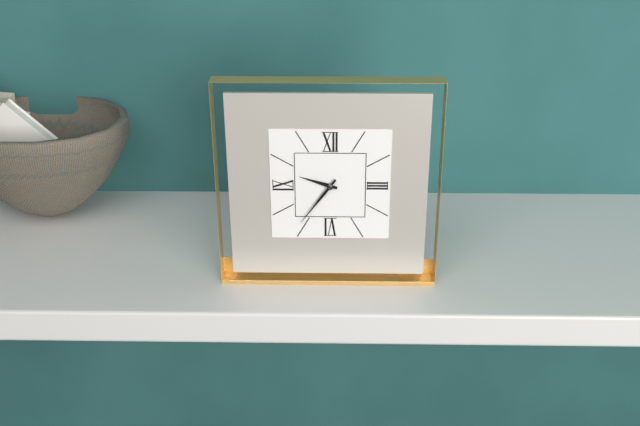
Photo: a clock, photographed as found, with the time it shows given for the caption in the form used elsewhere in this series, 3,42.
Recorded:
9,36
